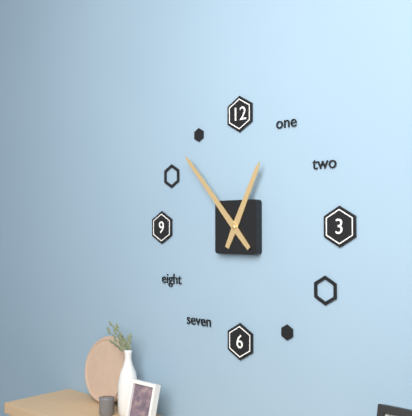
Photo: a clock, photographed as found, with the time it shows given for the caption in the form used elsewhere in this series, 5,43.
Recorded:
12,53
